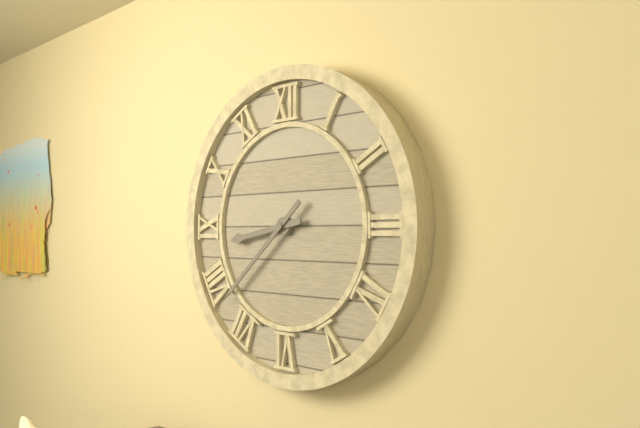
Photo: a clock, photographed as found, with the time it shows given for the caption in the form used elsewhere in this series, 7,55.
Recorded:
8,38
